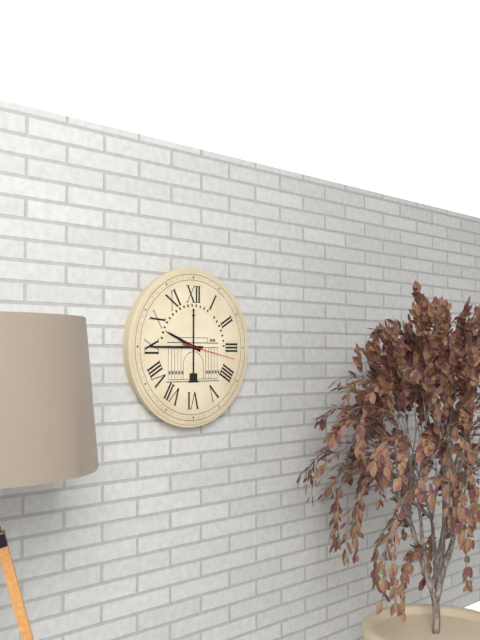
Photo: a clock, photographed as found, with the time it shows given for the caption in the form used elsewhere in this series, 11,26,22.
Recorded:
9,45,17
